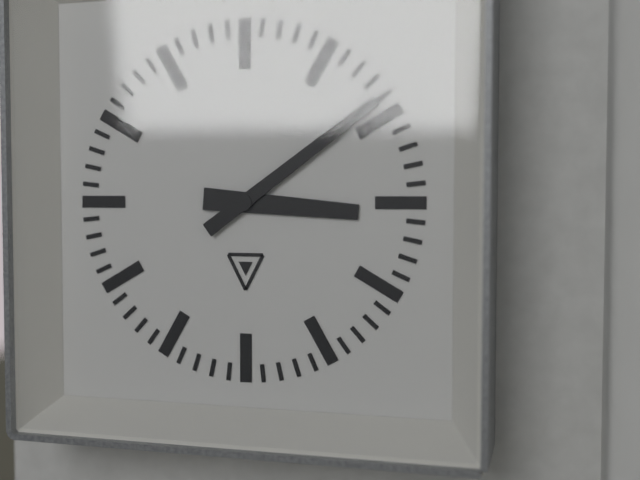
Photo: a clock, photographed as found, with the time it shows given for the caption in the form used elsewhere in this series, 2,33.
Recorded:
3,09
